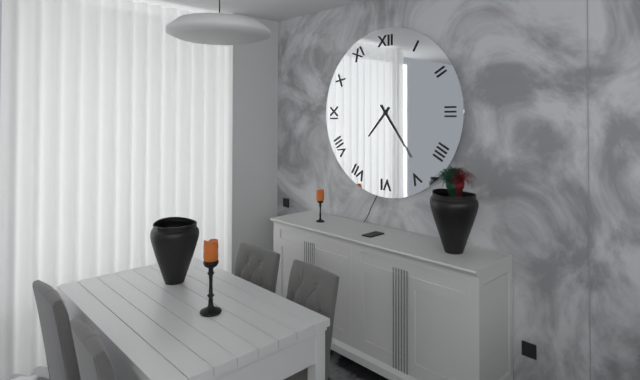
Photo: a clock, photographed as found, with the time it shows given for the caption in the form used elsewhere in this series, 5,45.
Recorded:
7,24
